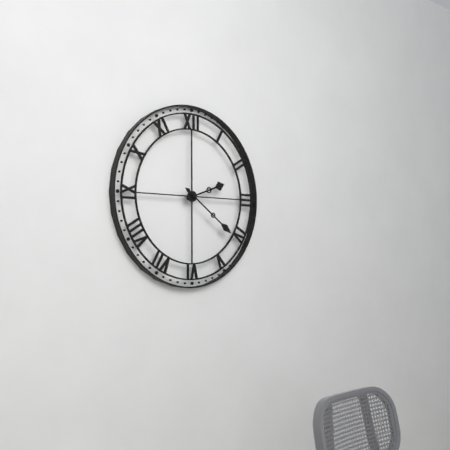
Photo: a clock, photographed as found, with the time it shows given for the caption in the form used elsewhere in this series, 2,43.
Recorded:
2,21
